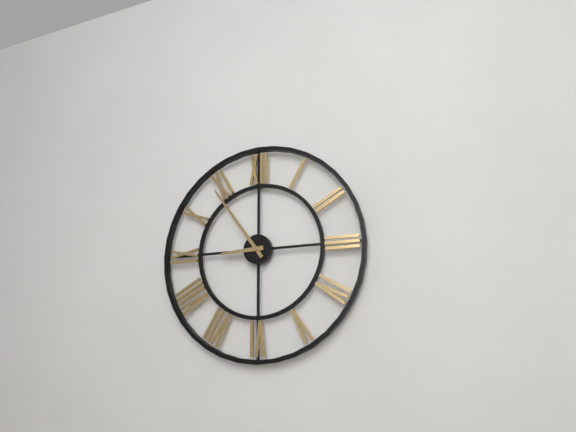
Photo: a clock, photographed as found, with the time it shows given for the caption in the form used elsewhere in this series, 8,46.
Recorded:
8,54
